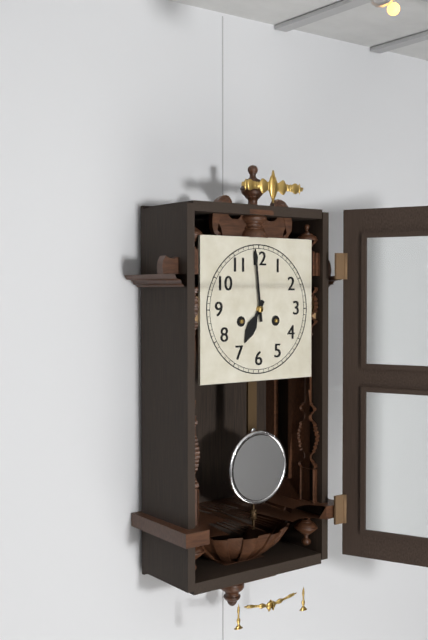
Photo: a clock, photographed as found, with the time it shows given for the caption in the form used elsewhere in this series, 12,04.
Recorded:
6,59
